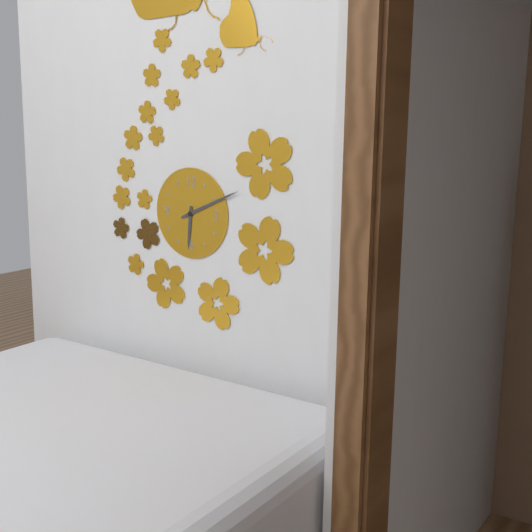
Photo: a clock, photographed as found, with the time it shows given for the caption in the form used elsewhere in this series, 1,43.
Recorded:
6,11
